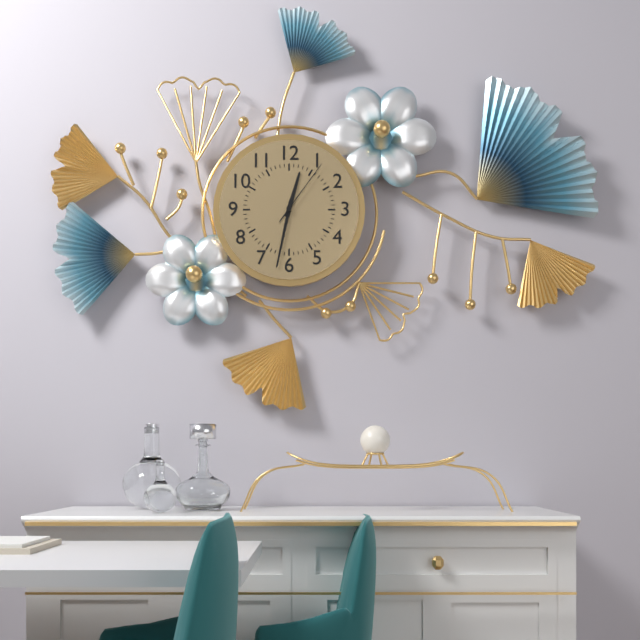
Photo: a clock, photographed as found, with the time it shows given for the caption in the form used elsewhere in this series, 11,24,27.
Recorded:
12,32,06
